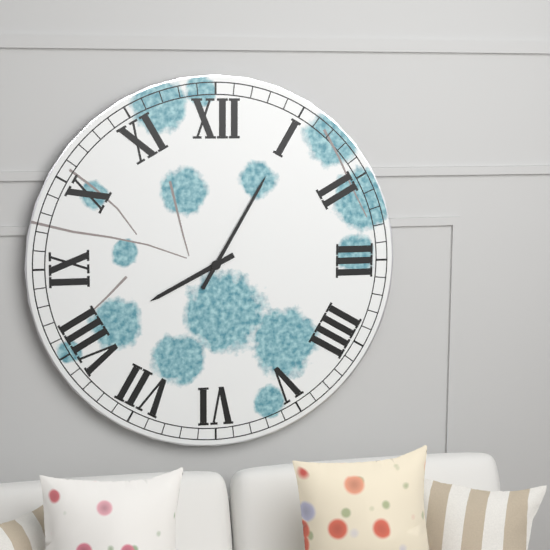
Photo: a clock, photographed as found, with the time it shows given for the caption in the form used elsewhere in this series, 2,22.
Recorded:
8,05
